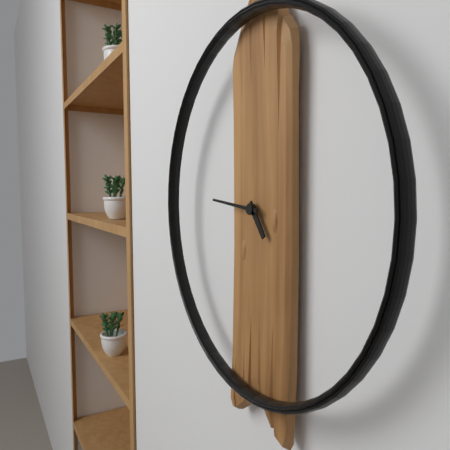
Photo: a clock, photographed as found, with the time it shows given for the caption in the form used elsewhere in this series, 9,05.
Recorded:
4,46
